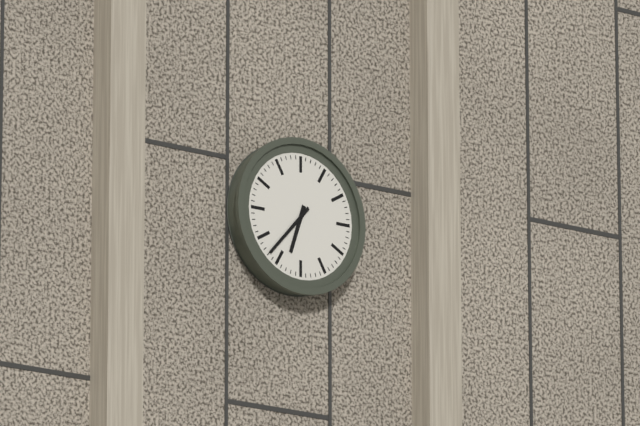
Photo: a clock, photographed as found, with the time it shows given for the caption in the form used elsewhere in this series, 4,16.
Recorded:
6,37
